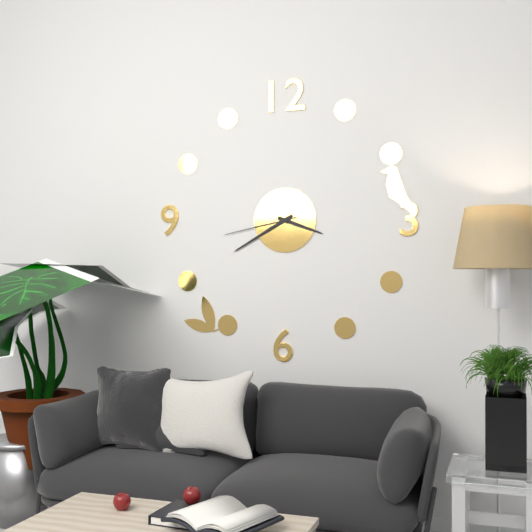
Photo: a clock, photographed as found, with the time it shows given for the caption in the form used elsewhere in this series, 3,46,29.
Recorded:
3,40,43
